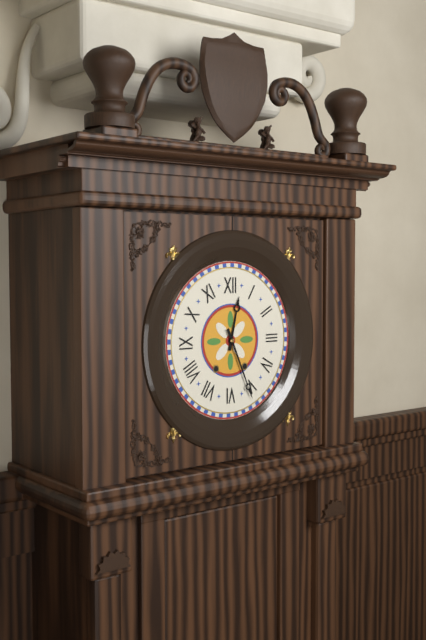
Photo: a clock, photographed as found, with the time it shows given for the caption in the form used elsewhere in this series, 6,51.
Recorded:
12,26
